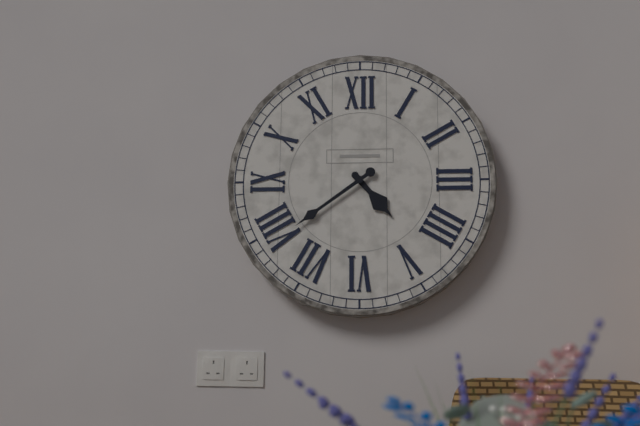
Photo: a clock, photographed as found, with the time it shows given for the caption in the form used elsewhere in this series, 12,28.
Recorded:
4,39
